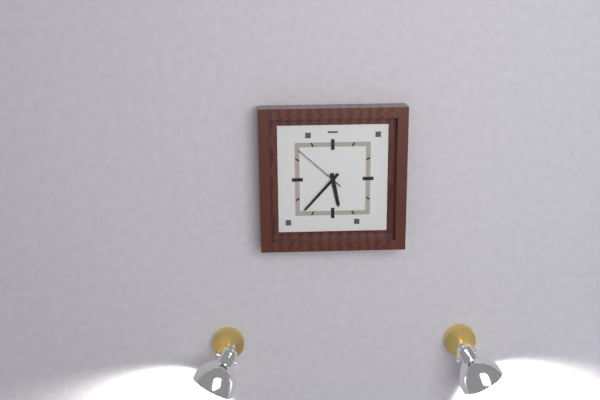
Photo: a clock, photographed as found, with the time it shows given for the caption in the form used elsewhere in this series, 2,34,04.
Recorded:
5,37,52
